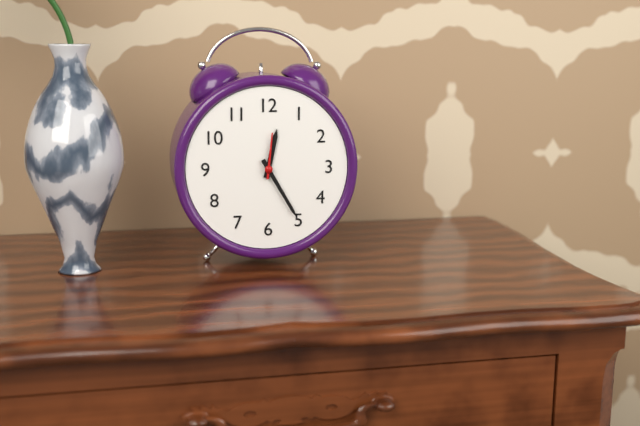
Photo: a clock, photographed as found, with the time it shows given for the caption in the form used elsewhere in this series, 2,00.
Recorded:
12,25
